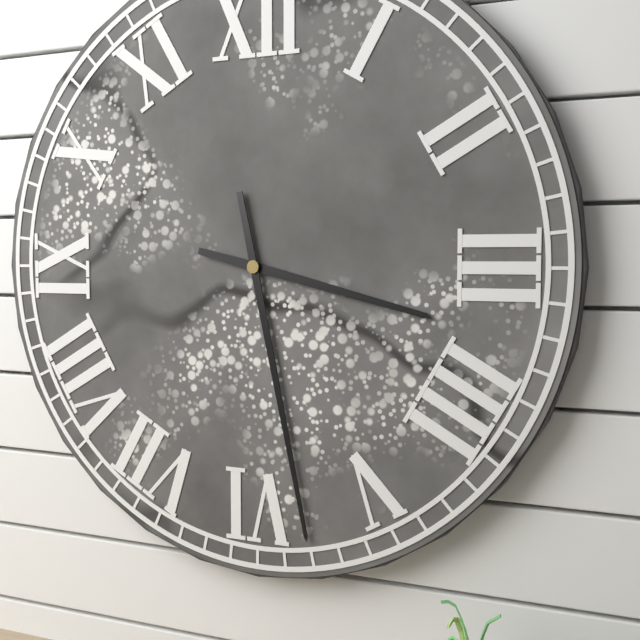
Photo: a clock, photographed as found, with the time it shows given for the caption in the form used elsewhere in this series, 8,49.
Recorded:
3,28
